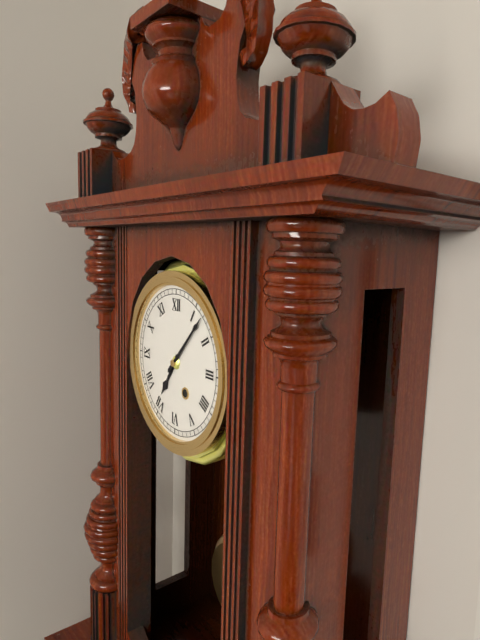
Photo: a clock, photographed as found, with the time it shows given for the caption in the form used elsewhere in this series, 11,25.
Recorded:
7,07
